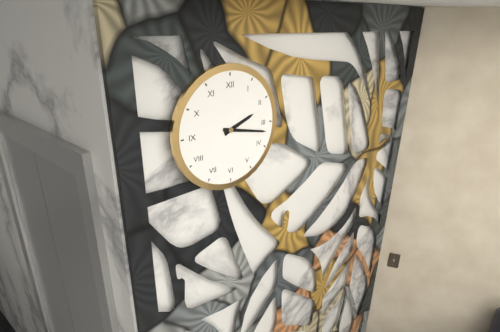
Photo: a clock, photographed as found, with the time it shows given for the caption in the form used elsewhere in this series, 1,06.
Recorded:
2,17
